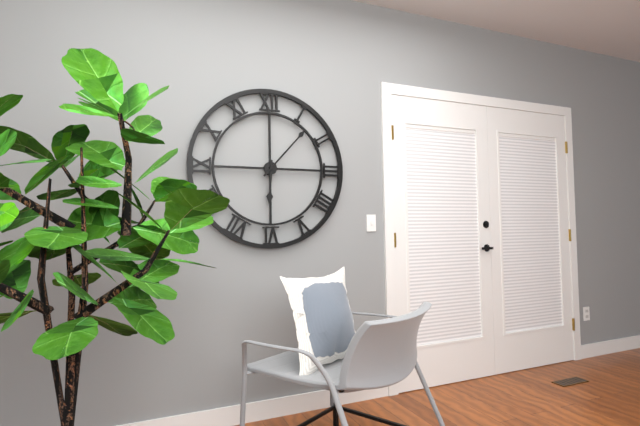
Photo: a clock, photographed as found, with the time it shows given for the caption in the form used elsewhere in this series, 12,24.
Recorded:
6,07
